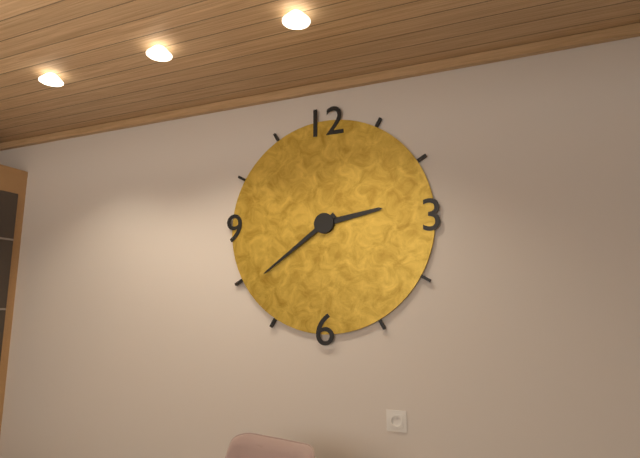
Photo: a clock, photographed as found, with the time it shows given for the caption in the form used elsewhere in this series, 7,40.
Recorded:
2,39
